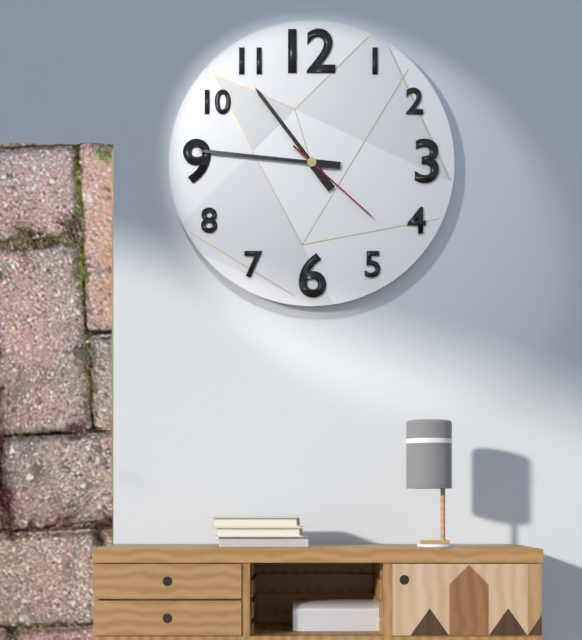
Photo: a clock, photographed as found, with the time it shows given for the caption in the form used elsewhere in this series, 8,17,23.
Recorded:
10,46,22
